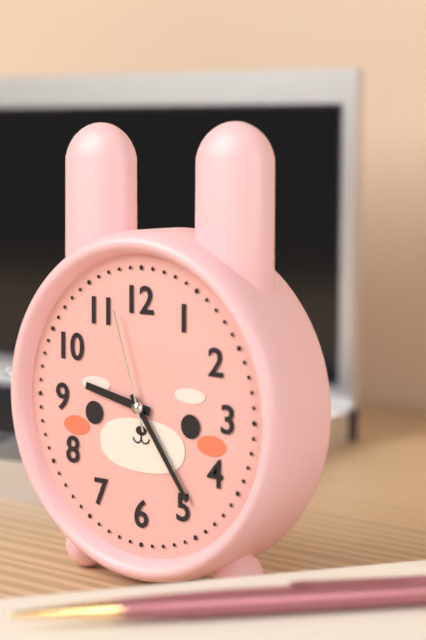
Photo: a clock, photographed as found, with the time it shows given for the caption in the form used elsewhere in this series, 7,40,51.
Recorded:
9,24,57
